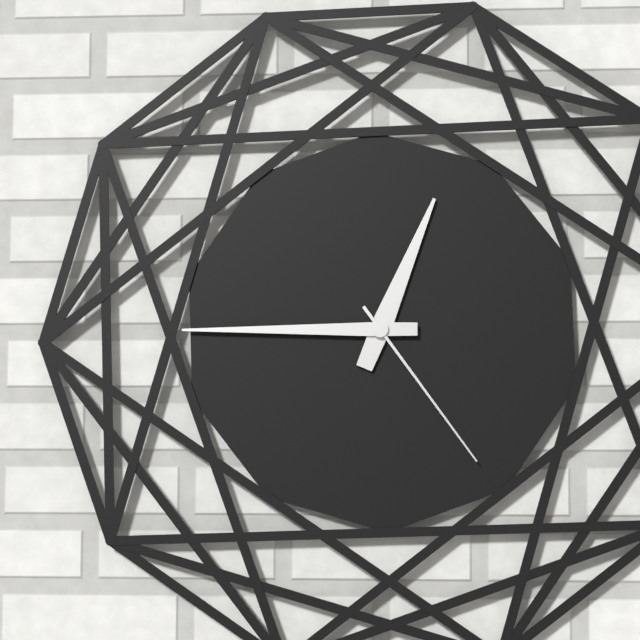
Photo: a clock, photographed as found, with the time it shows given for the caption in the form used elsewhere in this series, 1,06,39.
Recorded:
12,45,24
